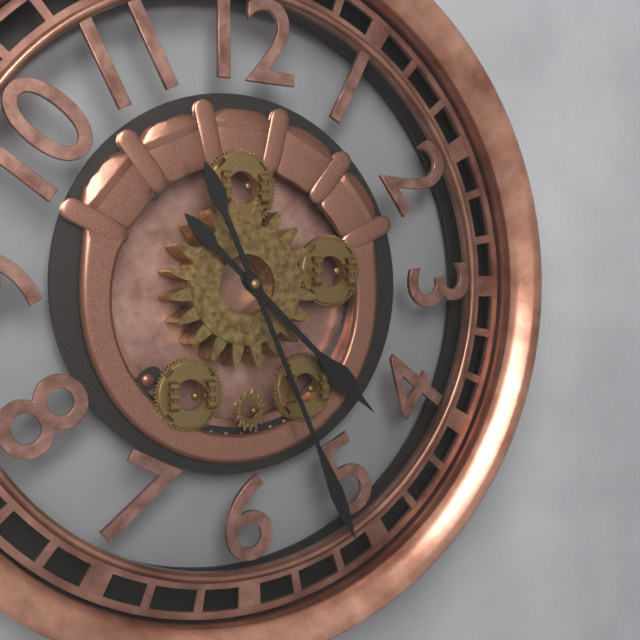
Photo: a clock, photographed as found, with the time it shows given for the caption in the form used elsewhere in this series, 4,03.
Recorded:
4,26
